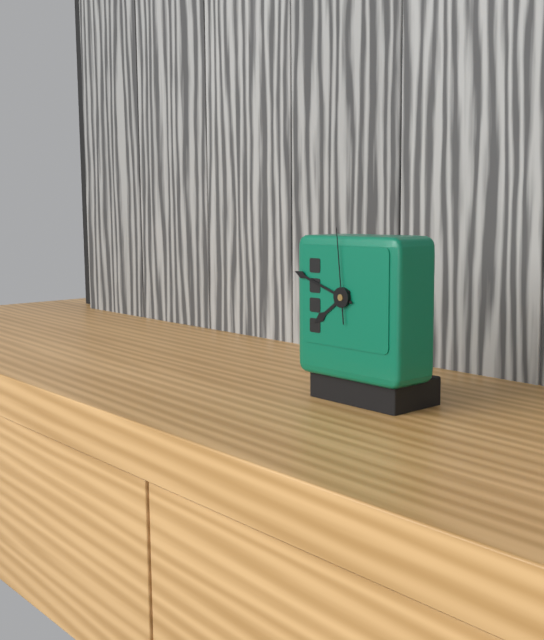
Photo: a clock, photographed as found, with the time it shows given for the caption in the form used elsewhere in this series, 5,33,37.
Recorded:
7,48,59
